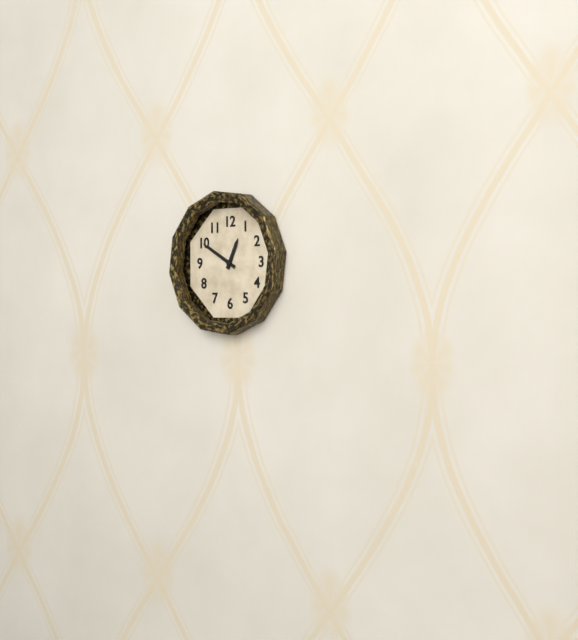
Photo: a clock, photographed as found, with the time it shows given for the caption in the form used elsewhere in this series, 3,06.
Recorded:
12,50
